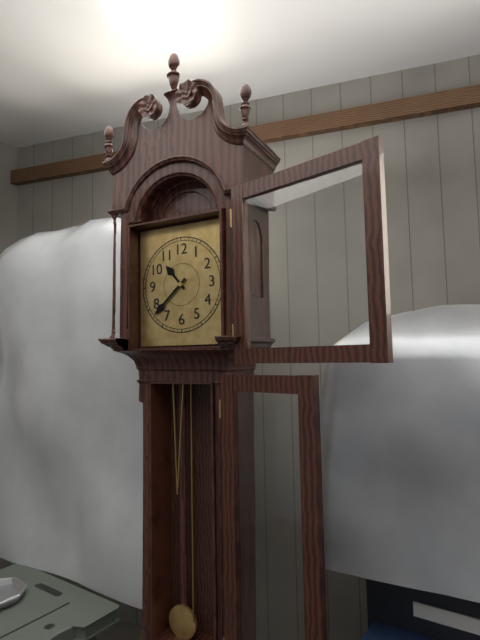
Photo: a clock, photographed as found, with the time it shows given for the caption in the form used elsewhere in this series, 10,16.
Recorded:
10,38
